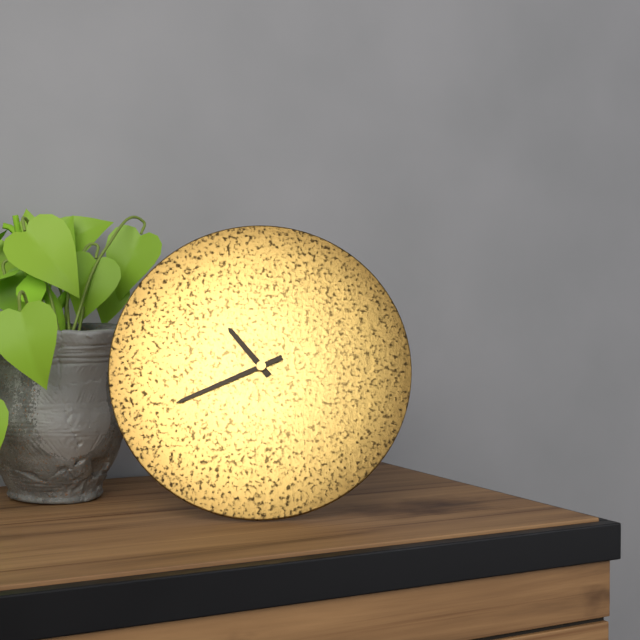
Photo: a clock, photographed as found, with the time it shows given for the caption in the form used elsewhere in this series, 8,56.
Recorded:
10,41
